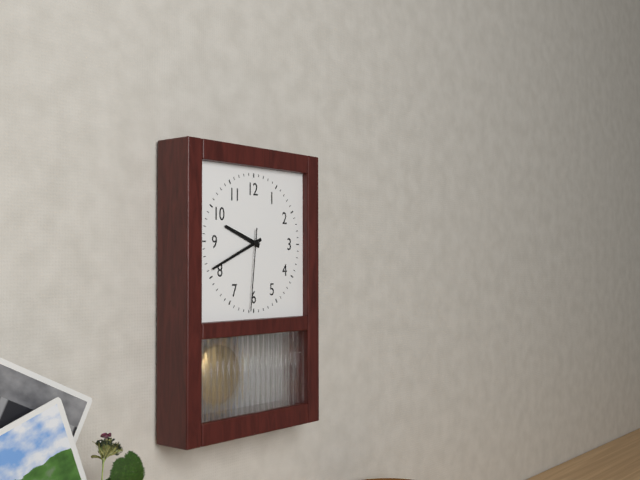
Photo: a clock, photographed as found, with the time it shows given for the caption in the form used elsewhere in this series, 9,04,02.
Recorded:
9,41,31
